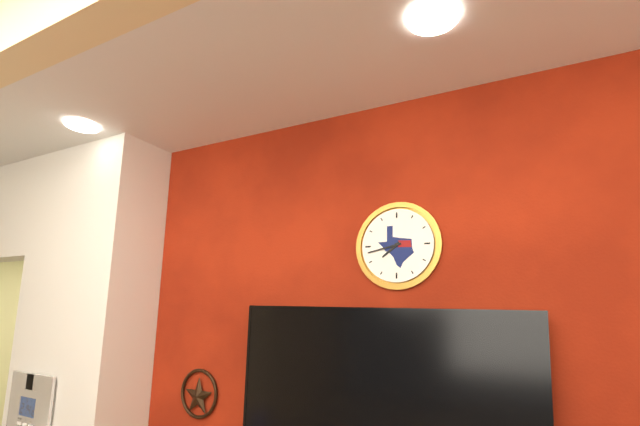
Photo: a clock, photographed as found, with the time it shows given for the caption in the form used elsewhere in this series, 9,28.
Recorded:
7,43
